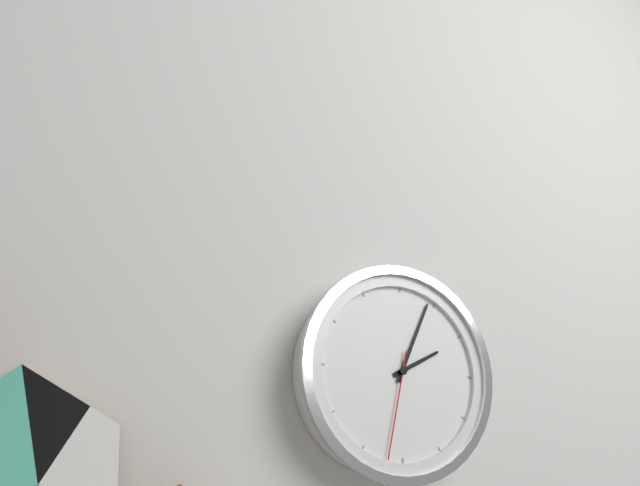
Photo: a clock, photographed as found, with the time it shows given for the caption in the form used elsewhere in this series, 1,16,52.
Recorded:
2,04,32
